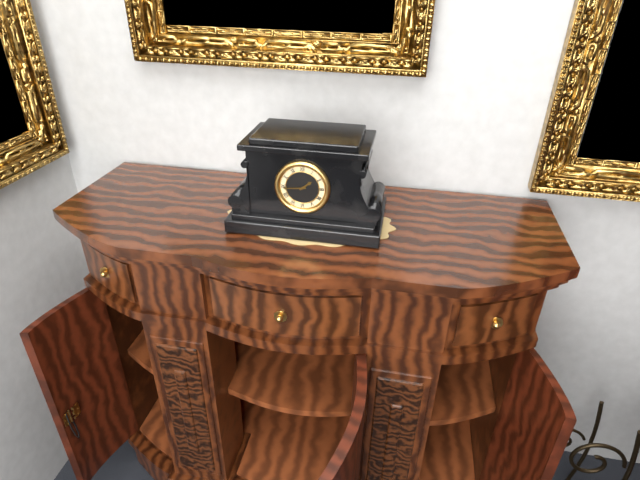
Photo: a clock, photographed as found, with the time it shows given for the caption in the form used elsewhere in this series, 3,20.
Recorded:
1,44
